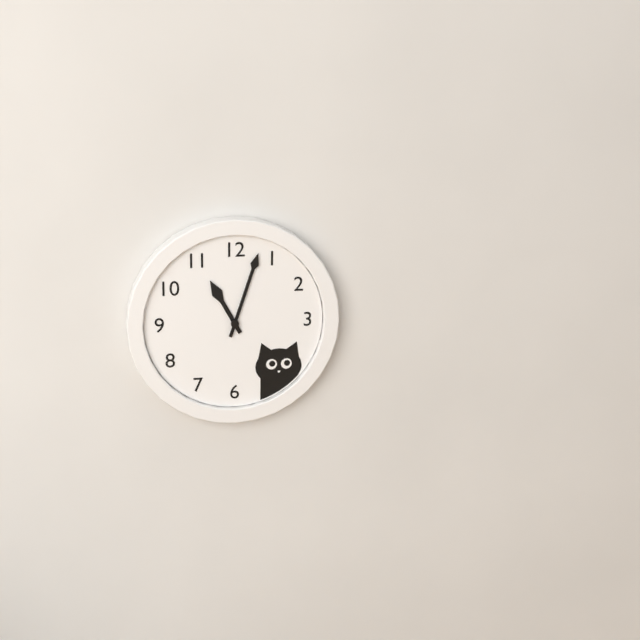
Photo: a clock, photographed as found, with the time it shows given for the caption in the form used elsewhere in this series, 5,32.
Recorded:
11,03
